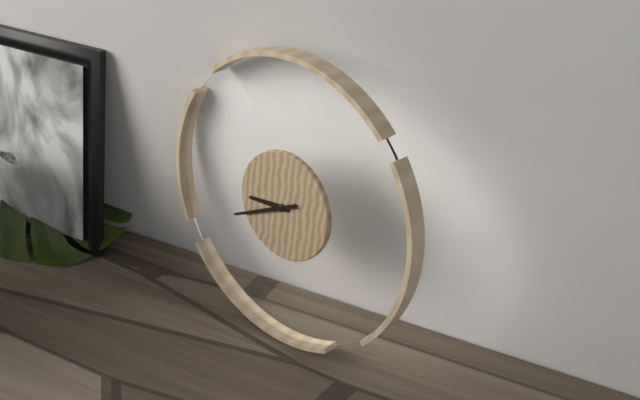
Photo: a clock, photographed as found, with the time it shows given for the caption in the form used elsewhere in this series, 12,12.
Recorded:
8,40
